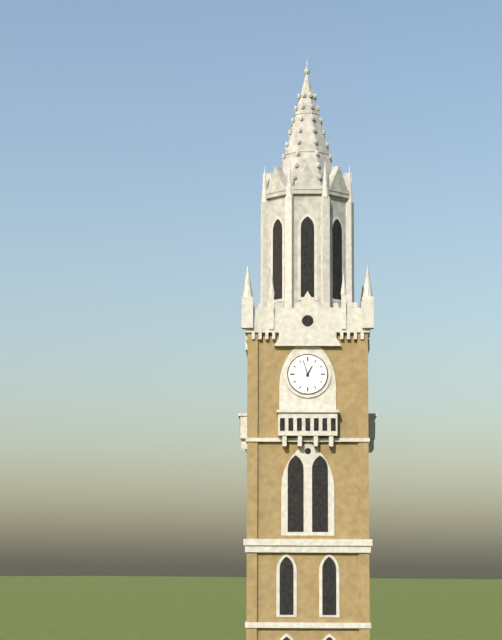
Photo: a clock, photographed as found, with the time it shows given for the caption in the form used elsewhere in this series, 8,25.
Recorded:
12,57
